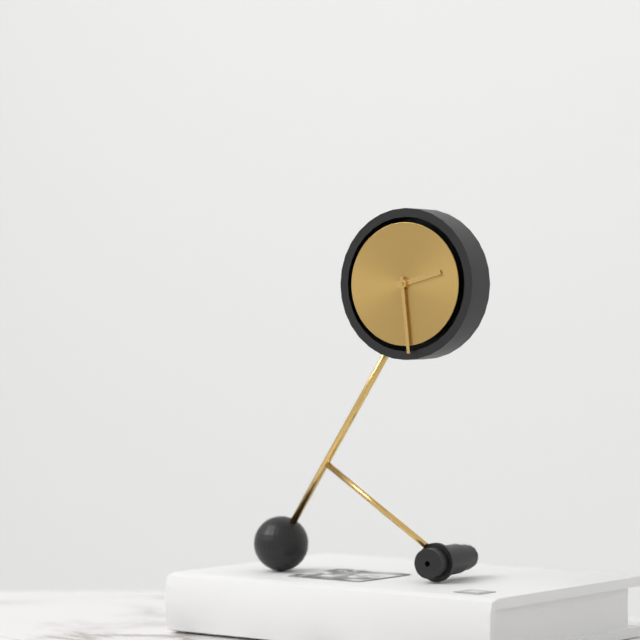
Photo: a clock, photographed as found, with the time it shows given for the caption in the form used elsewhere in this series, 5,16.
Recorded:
2,29
